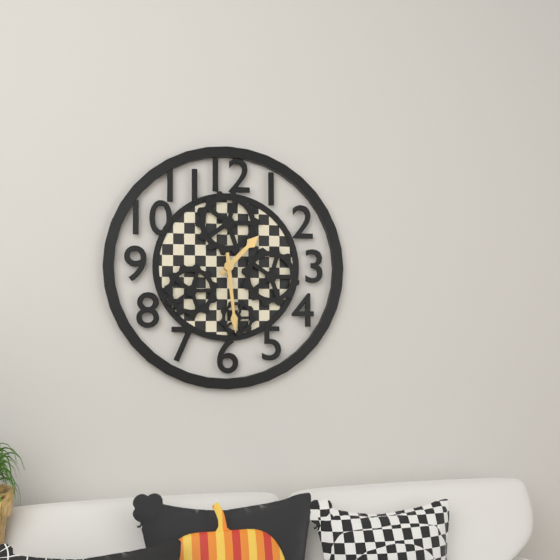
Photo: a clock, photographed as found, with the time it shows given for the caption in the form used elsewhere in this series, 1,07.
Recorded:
1,29
